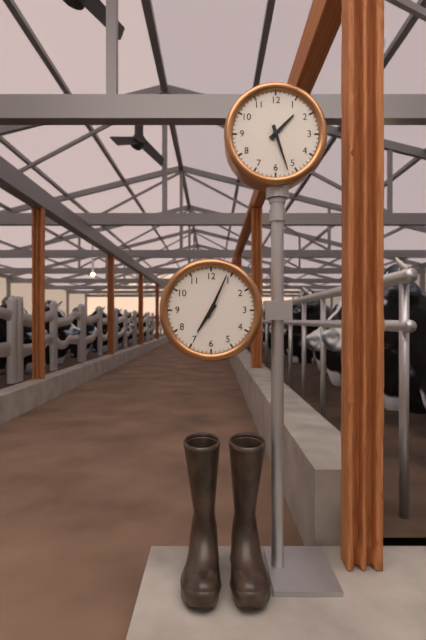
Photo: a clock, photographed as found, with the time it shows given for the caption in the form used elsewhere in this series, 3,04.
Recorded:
1,27
